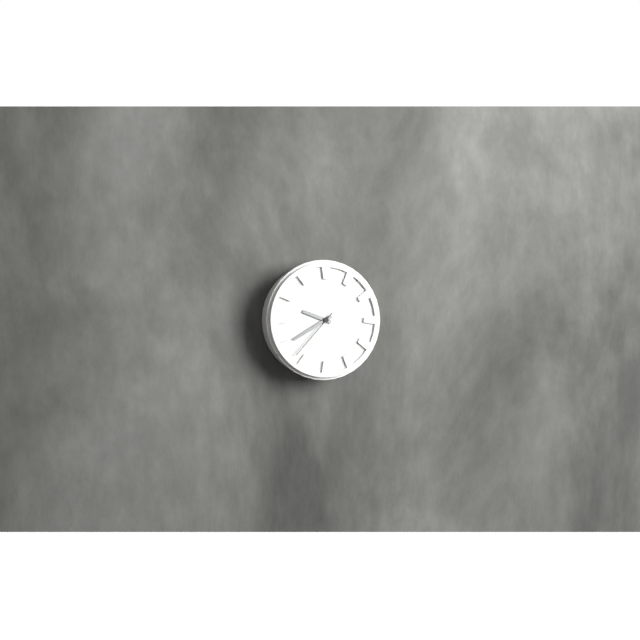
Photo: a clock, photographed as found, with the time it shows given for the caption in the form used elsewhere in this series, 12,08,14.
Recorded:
9,40,37
